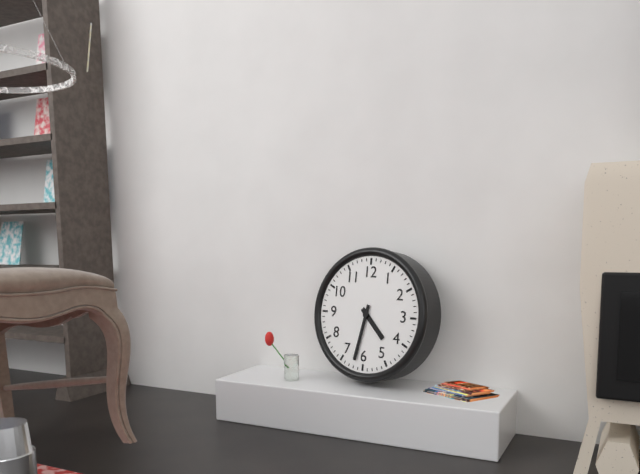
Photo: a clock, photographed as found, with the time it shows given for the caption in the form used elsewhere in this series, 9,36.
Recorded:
4,32
